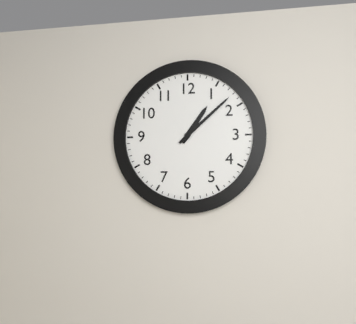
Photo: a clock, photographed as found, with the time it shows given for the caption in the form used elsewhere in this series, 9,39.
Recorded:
1,08
